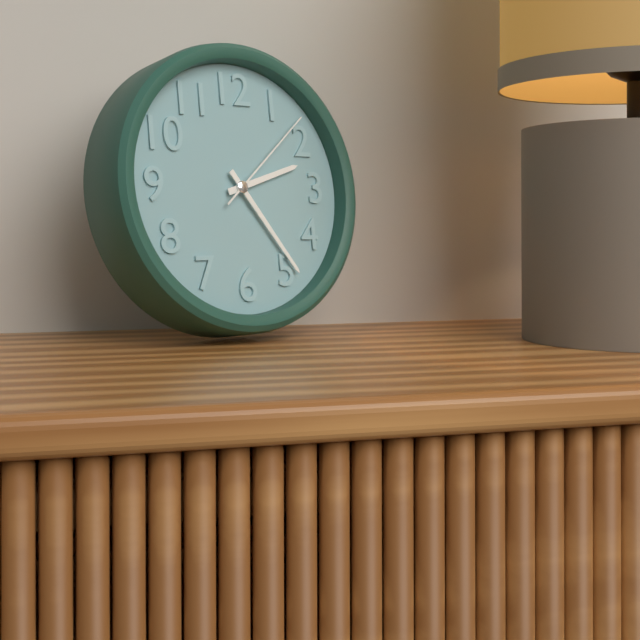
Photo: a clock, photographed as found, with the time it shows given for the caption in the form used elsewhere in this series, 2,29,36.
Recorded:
2,24,08
